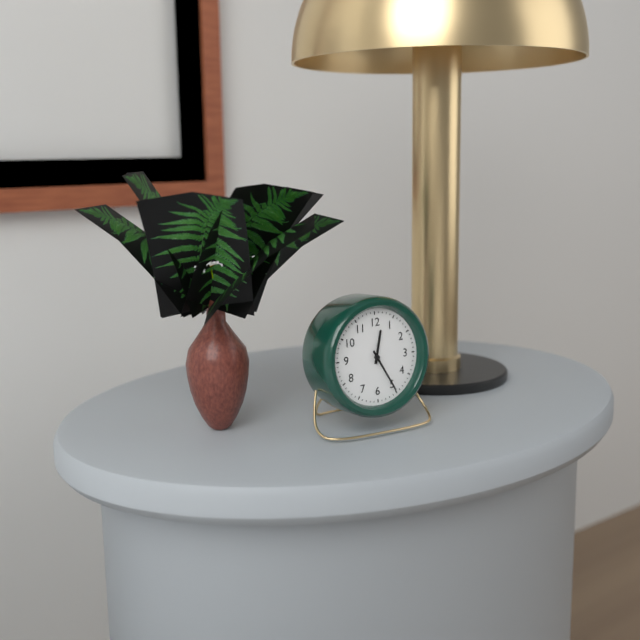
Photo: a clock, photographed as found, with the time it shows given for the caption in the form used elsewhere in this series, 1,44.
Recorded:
12,25
